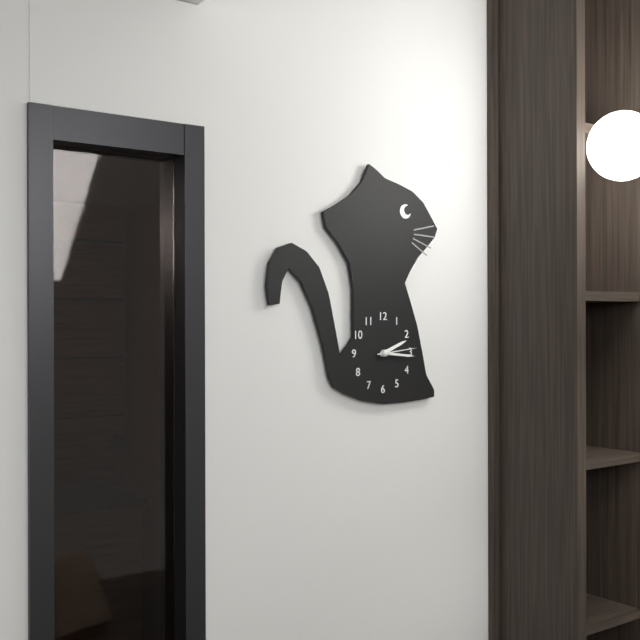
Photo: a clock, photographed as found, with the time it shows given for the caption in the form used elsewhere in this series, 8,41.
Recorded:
2,16
